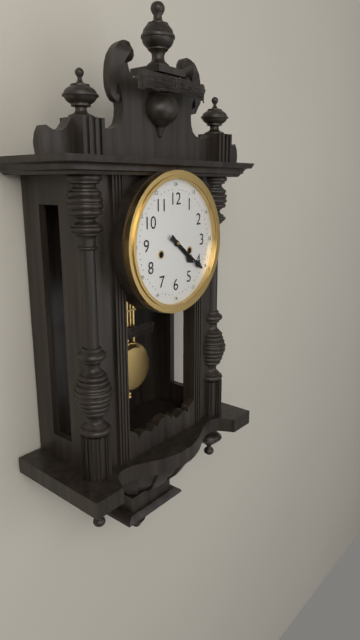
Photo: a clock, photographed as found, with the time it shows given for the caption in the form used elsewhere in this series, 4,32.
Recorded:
4,21
